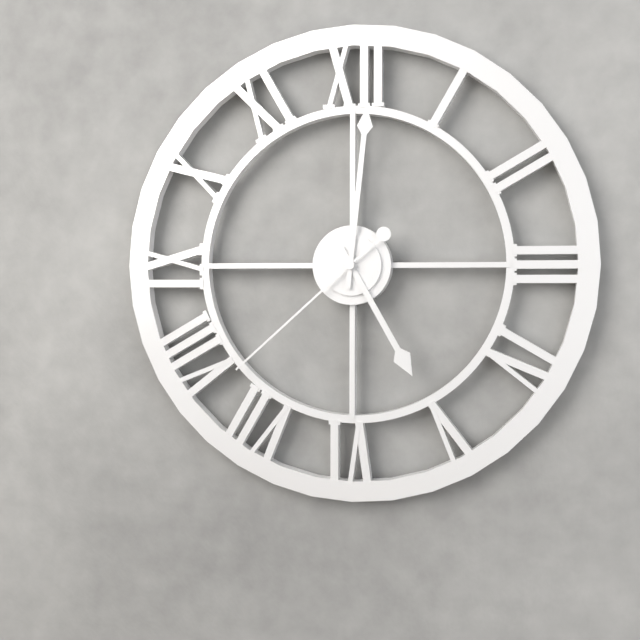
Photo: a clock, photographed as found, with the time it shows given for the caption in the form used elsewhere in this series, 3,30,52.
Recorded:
5,01,38
